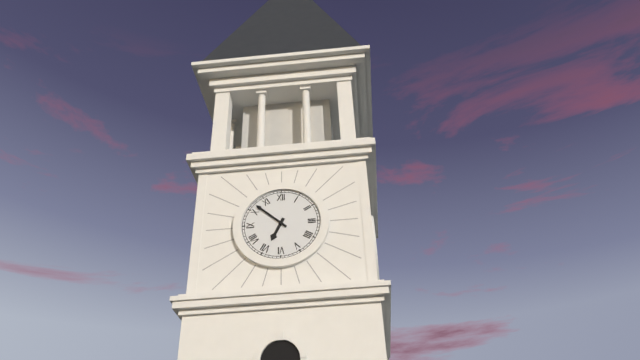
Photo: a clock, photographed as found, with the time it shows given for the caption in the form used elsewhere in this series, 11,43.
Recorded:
6,52
